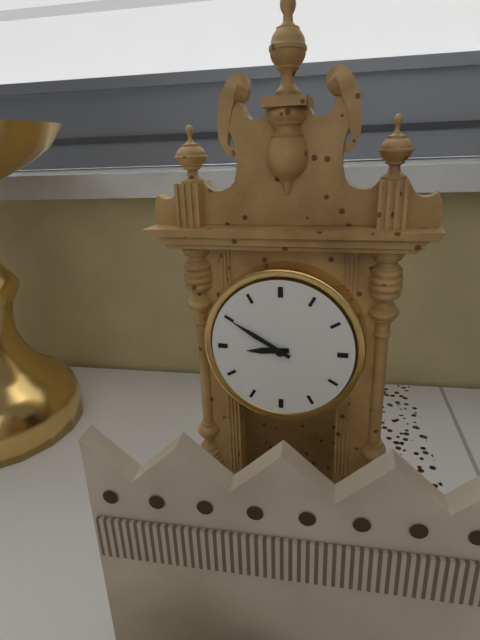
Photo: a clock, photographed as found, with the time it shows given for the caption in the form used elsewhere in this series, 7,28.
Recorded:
8,50
